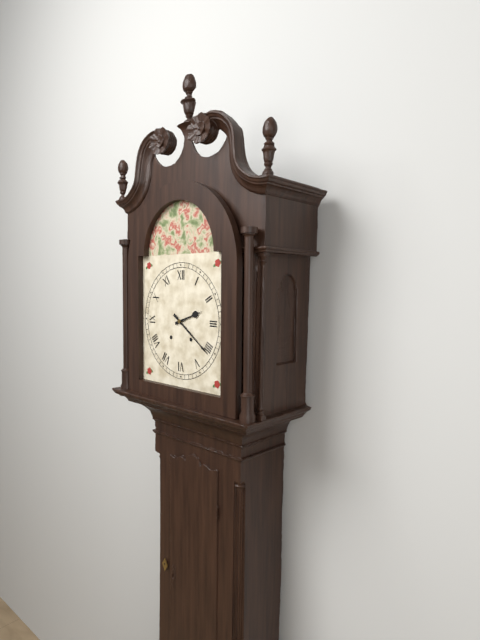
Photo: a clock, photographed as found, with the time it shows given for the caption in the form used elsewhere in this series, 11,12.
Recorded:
2,21
